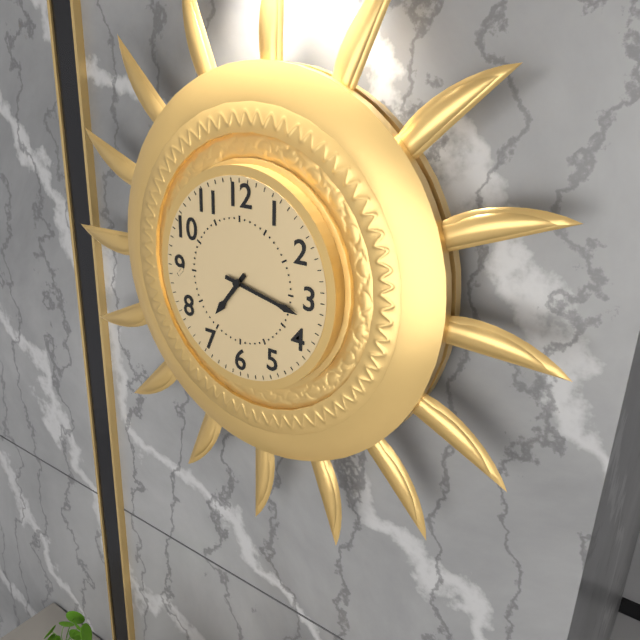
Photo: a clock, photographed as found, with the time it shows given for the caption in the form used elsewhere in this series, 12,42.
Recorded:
7,17
